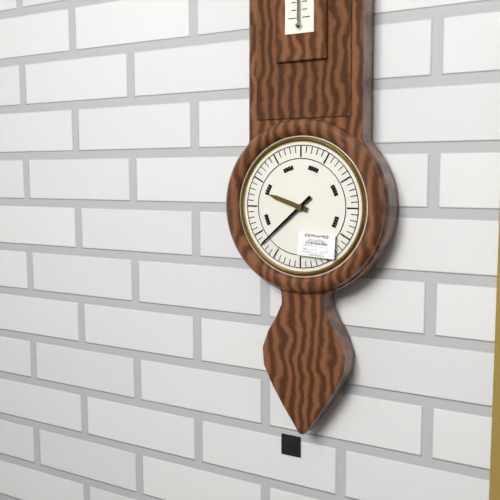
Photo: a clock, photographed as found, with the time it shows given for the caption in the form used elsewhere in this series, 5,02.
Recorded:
9,38
